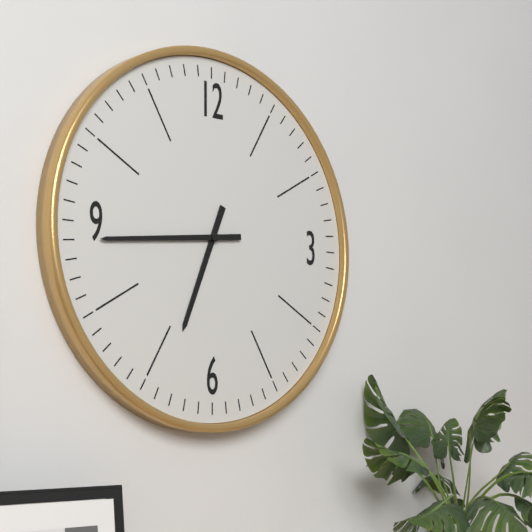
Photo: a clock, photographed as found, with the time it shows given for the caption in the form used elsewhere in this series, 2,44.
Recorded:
6,44
